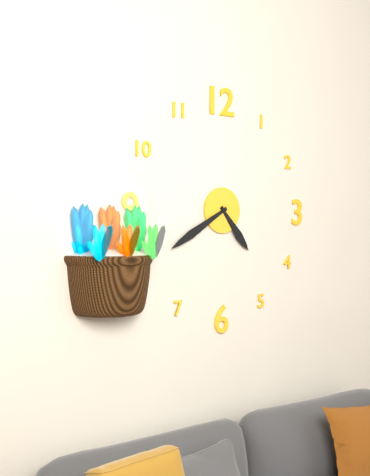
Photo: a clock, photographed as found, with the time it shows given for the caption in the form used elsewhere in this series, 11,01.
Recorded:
4,40
